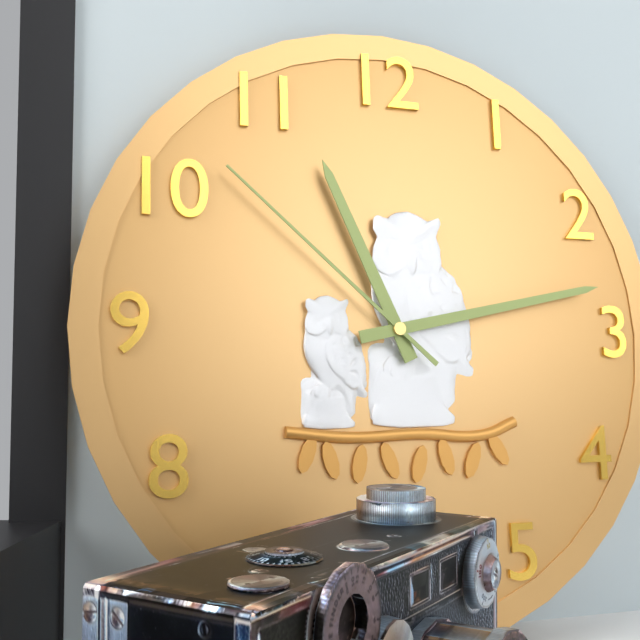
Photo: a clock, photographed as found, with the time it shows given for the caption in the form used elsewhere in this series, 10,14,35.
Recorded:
11,13,52
